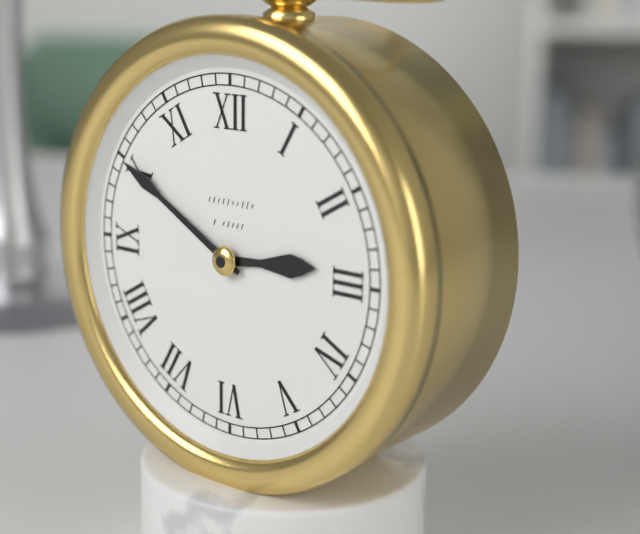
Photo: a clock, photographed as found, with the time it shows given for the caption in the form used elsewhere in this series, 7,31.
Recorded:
2,50
